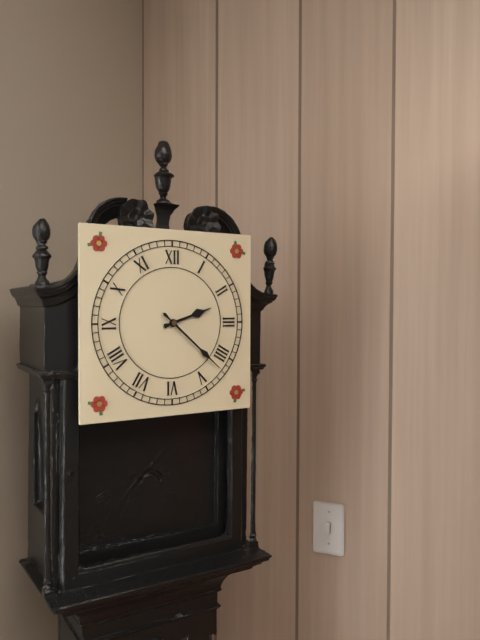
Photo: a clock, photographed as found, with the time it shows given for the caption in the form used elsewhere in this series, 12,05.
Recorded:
2,22
